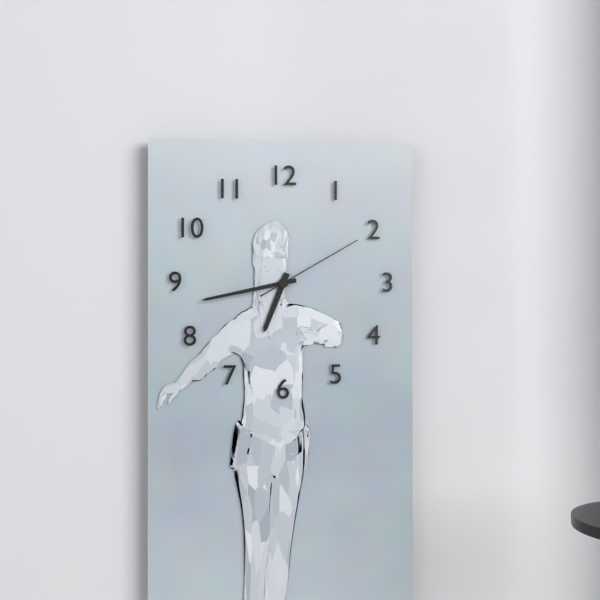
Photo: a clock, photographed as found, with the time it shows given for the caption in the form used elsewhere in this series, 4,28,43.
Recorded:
6,43,10
